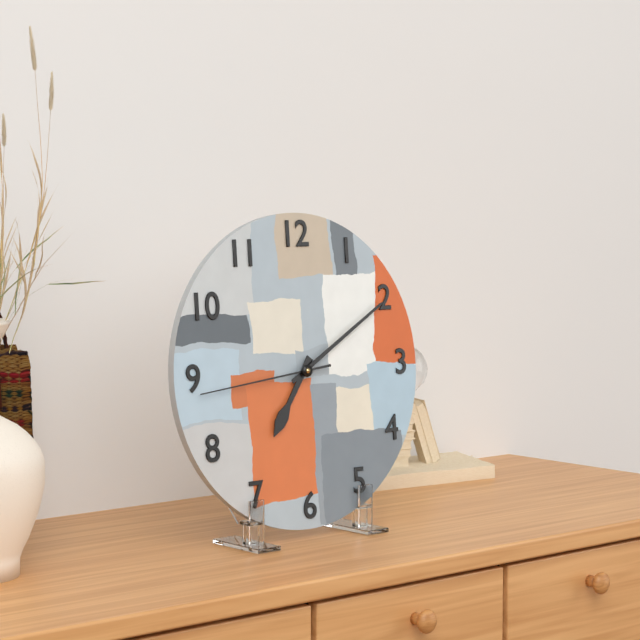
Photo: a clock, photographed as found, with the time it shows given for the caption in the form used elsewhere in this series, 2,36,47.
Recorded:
7,10,44
